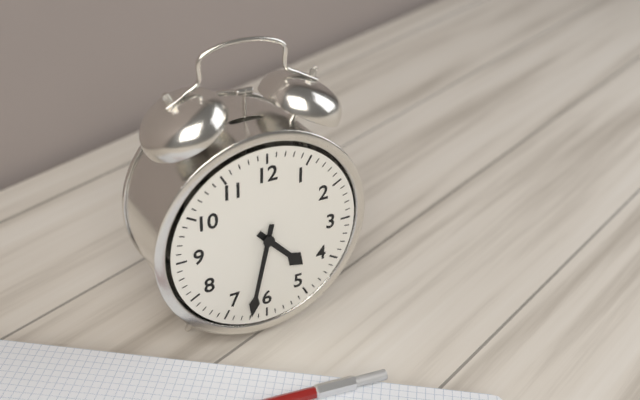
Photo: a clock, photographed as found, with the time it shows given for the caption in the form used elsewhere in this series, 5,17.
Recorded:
4,32
